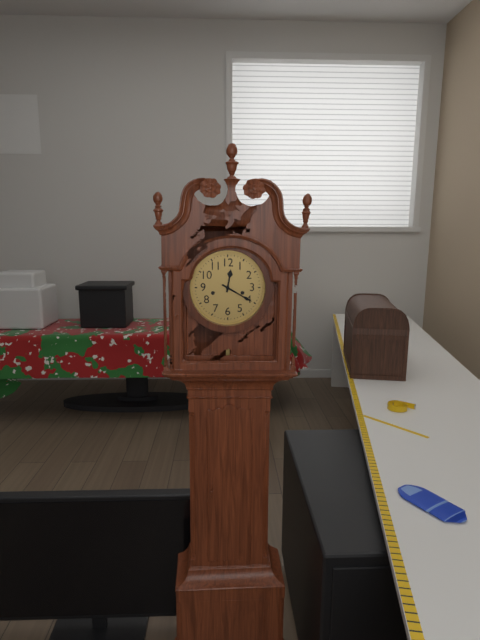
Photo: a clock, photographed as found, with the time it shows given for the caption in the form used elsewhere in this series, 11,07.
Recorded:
12,20
